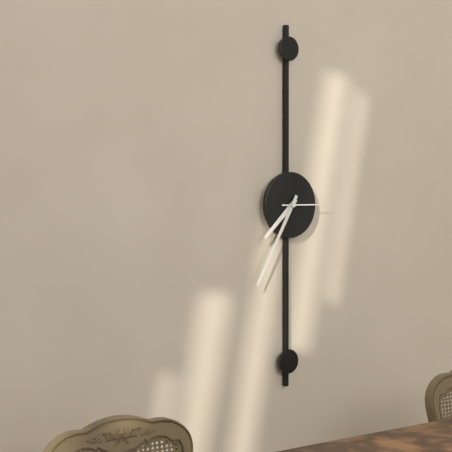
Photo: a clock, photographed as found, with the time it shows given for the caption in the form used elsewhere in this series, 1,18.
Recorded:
7,35
